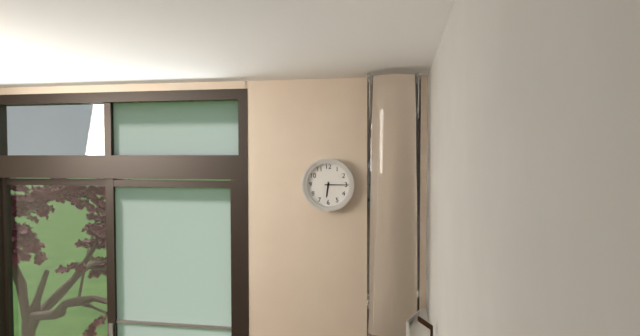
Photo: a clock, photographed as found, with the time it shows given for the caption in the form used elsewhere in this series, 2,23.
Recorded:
6,15
